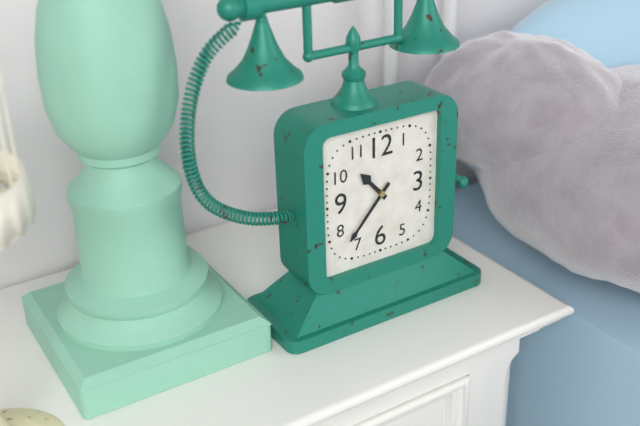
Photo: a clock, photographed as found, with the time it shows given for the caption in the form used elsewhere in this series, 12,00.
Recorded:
10,37
